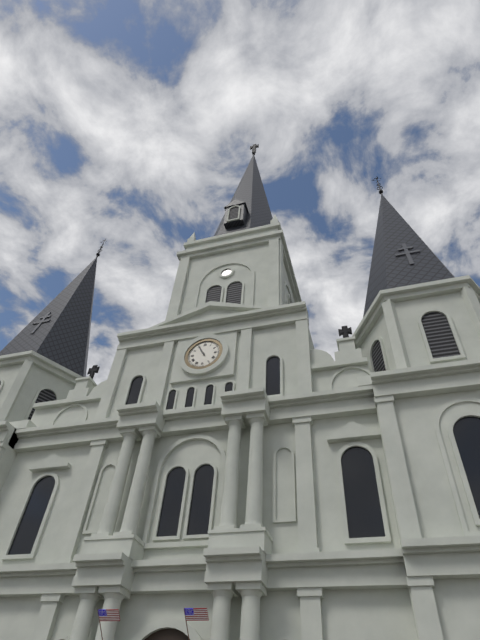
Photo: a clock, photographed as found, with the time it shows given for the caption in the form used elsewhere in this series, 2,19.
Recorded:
10,55
